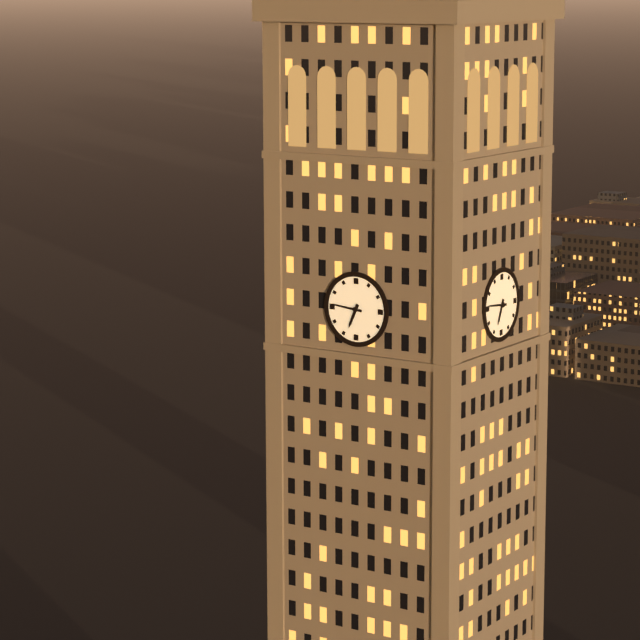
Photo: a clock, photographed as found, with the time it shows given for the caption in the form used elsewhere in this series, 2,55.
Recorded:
6,46
